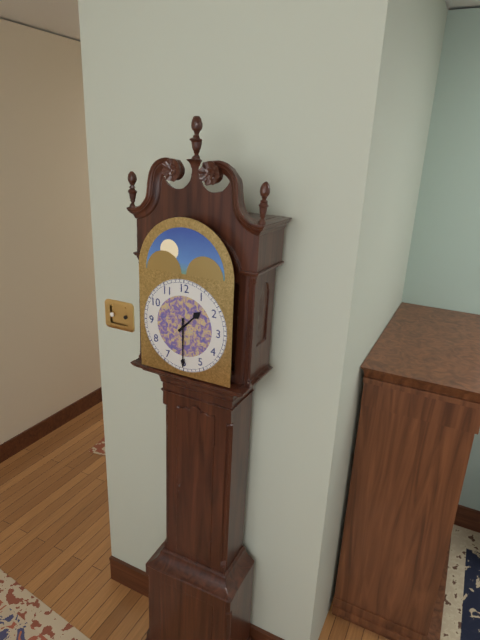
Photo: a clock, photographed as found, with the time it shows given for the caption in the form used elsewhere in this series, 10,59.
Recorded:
1,30
